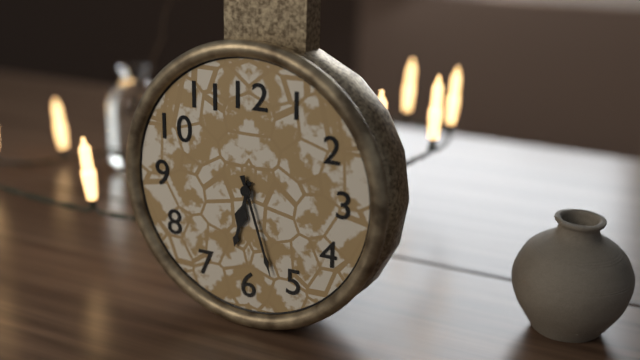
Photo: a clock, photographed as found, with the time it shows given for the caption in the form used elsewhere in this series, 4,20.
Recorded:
6,27
